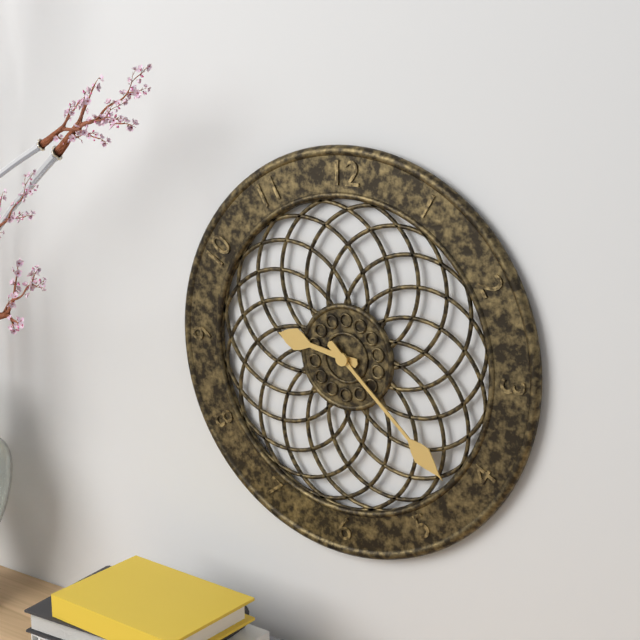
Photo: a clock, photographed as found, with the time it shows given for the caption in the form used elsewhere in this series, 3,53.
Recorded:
9,22
